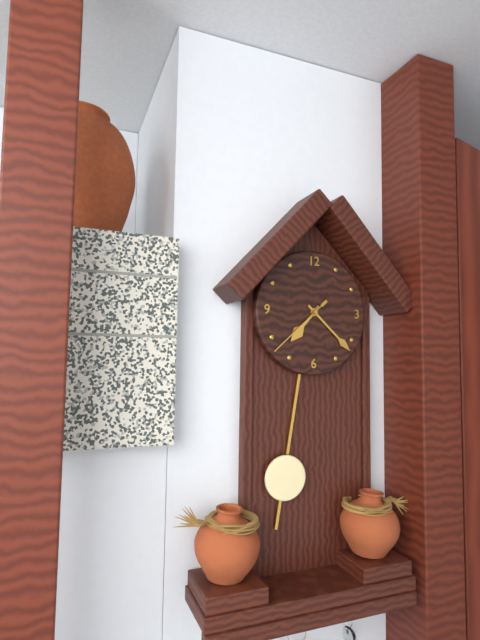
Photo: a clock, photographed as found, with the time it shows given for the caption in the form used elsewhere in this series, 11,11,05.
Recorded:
7,22,38
